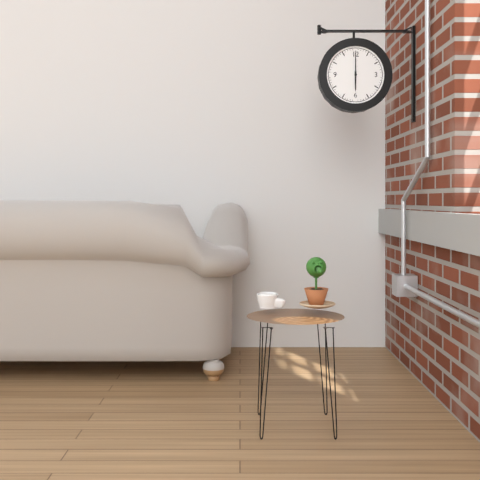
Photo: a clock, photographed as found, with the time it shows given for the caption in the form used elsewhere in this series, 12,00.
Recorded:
6,00
